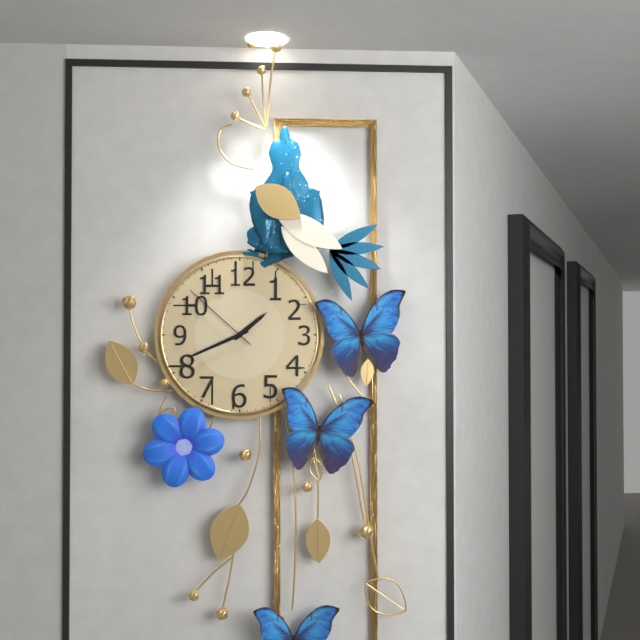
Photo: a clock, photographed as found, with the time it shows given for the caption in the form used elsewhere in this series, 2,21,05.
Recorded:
1,41,52
